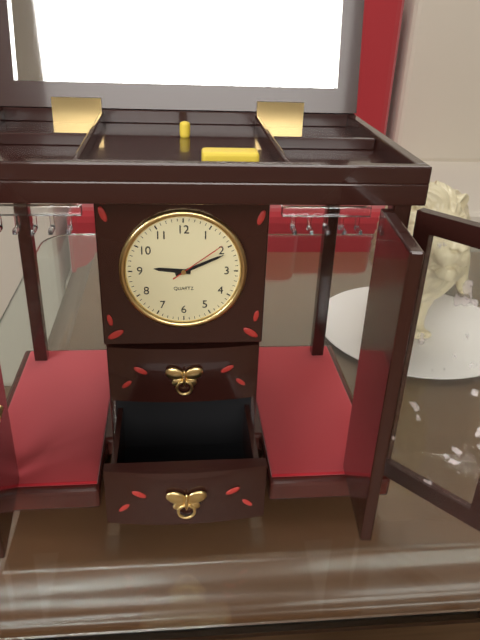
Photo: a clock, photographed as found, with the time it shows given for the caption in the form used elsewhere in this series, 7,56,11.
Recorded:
9,11,09
